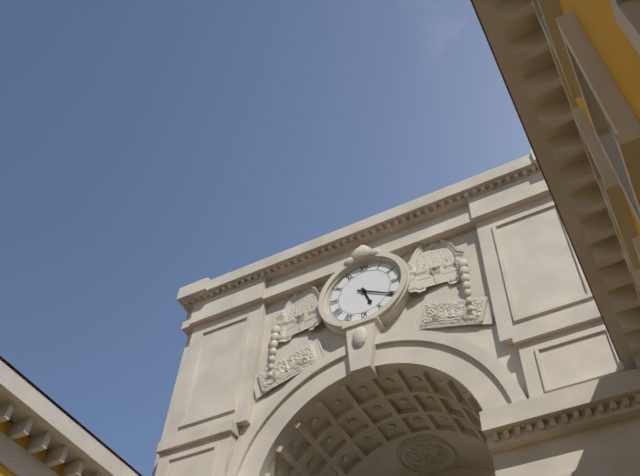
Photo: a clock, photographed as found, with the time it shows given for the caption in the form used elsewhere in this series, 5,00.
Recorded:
5,20
